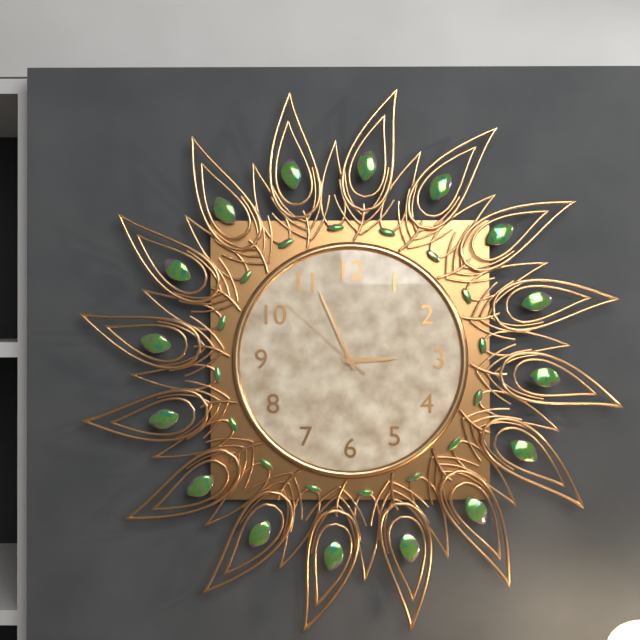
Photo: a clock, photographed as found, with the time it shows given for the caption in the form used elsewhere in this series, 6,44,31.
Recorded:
2,56,52
